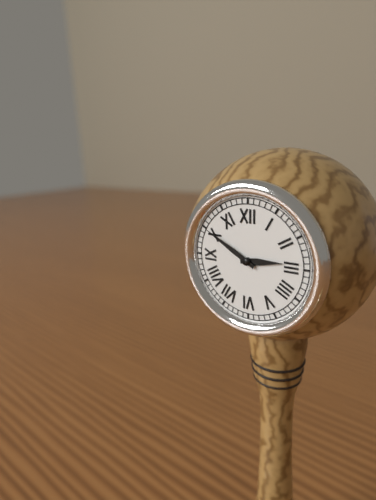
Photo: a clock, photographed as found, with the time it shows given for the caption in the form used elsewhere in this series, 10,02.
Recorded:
2,50
